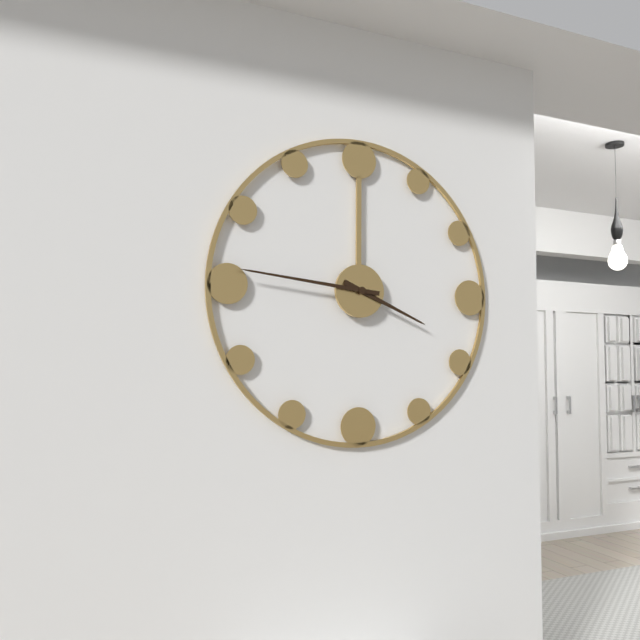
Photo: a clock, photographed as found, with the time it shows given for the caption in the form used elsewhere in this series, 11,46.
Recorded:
3,46
